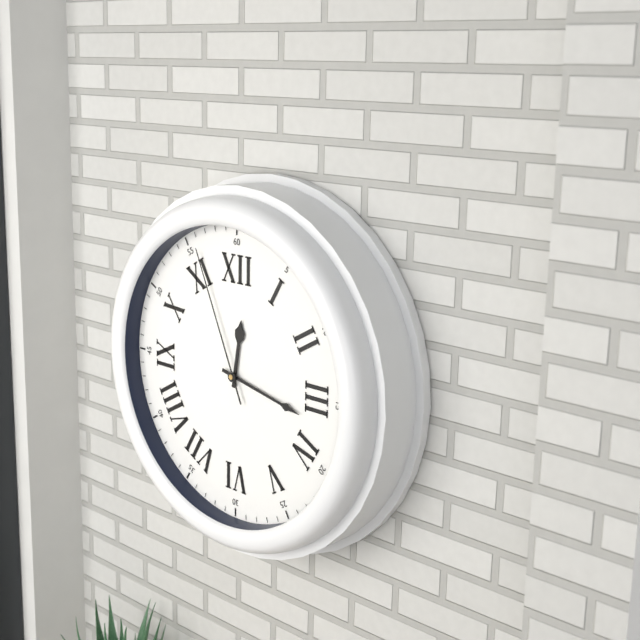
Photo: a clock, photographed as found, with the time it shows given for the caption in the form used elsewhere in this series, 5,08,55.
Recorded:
12,17,56
